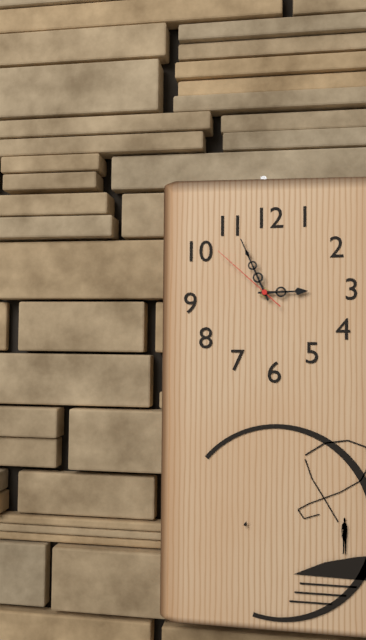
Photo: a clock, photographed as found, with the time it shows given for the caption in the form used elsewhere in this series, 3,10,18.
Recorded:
2,56,52
